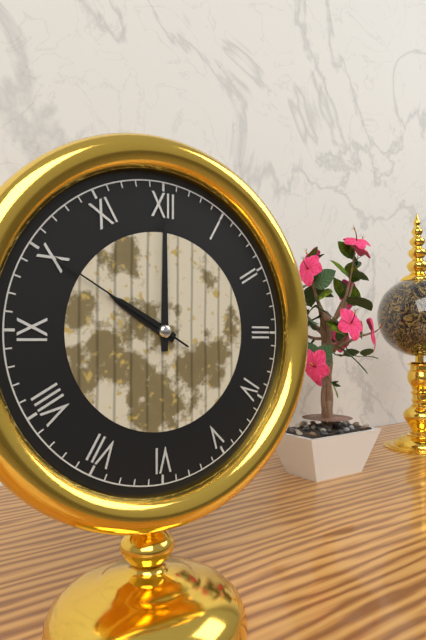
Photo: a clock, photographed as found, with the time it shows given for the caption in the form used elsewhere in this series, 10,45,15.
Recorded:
10,00,50
